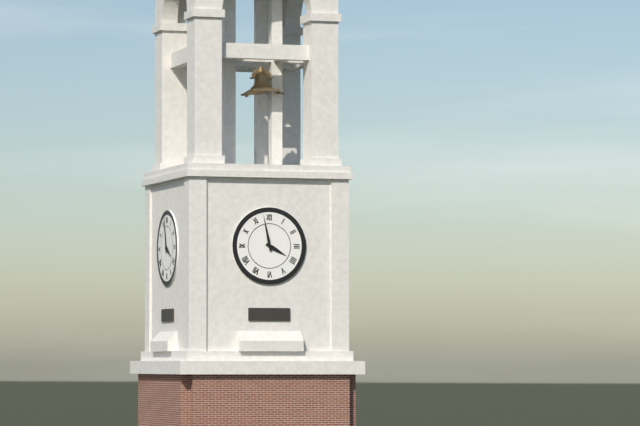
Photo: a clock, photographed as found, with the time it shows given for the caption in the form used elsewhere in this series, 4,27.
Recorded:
3,58
